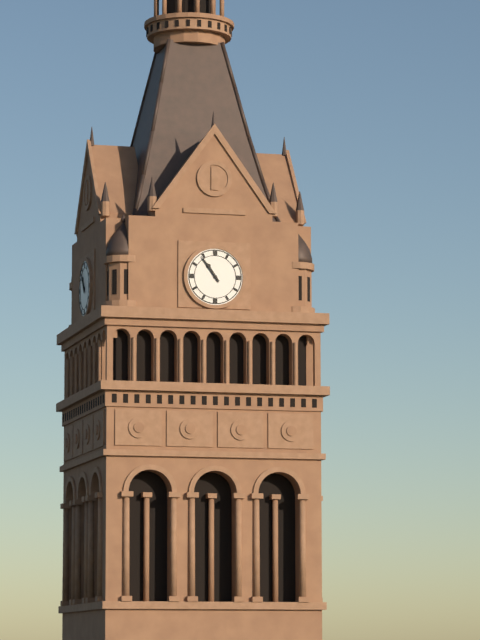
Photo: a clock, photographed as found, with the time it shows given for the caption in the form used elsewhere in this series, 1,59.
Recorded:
10,54
